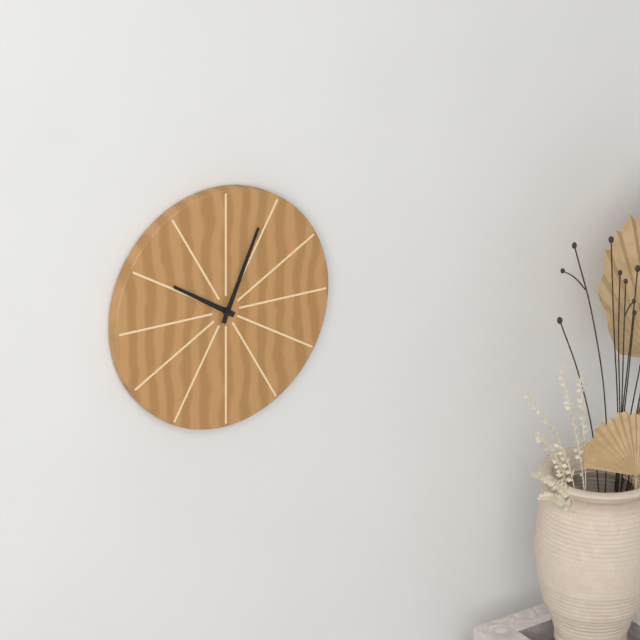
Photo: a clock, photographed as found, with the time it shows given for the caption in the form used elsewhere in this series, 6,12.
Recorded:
10,04
